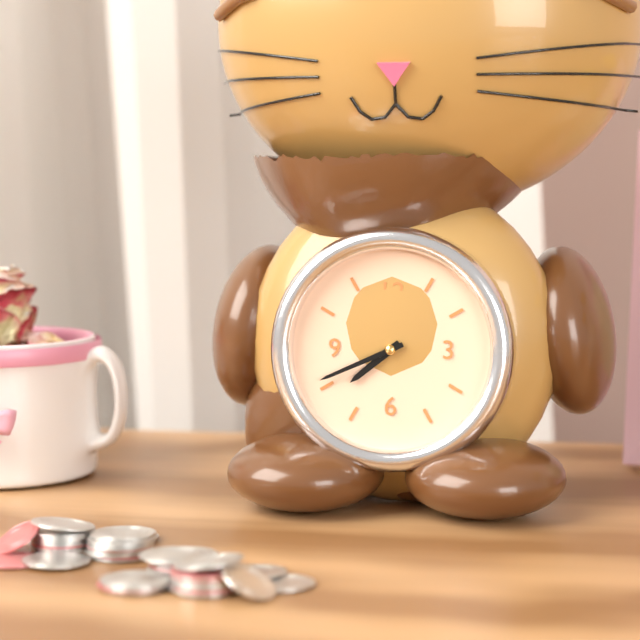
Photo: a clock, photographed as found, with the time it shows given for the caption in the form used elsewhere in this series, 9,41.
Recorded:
7,41
